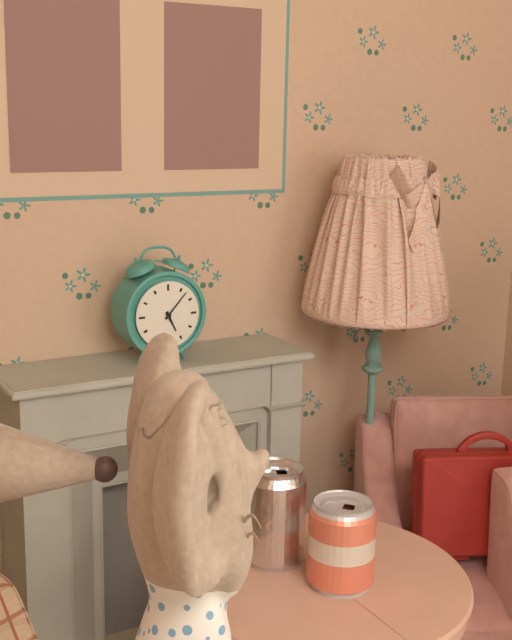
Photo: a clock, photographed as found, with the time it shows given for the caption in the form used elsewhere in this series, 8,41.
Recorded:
5,07
